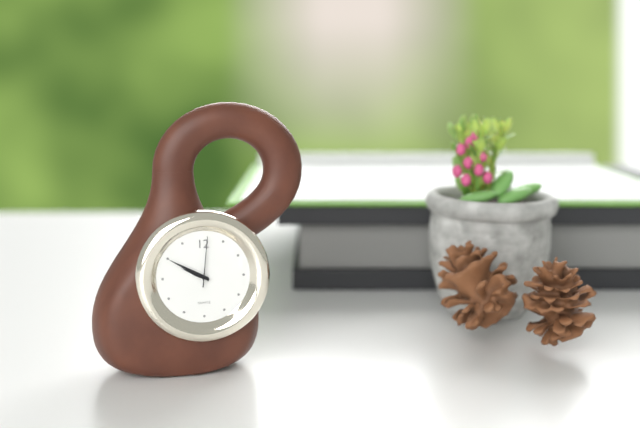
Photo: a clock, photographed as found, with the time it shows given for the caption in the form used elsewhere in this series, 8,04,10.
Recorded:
9,50,01
